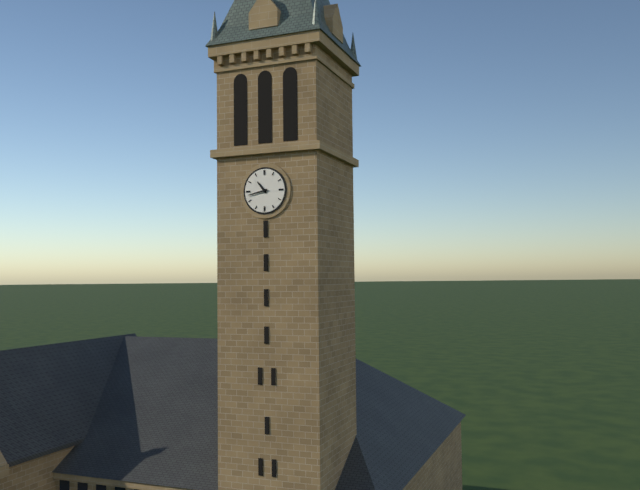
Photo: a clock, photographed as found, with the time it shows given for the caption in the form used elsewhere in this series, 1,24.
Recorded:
10,43
